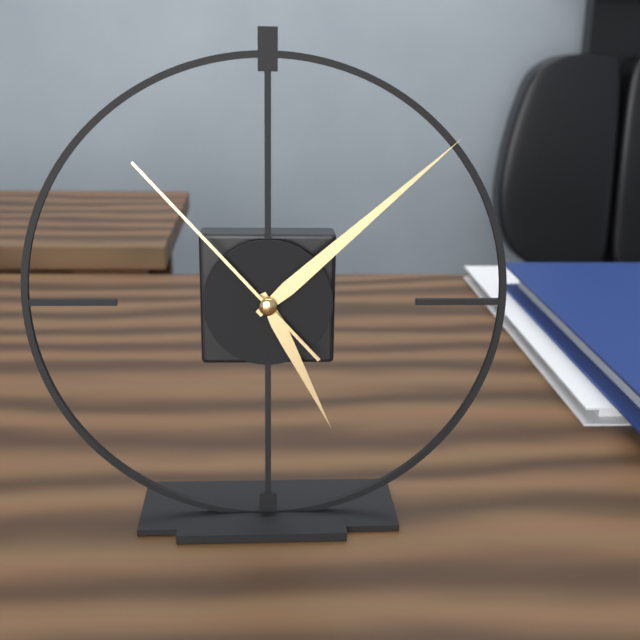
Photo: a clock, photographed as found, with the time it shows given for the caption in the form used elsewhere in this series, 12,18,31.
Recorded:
5,08,53
